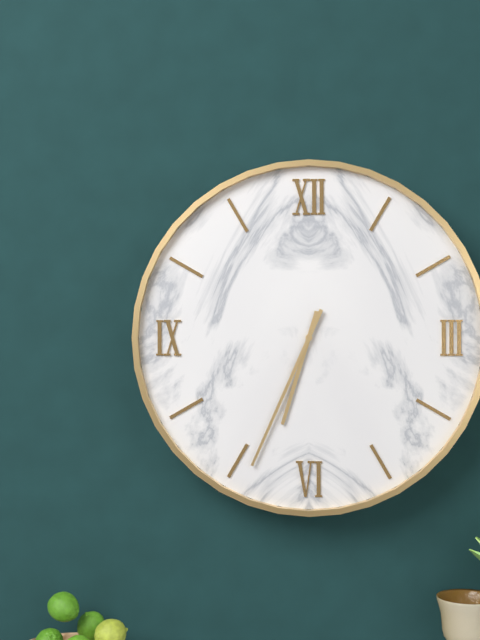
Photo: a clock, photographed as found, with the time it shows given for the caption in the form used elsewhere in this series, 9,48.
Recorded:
6,34
